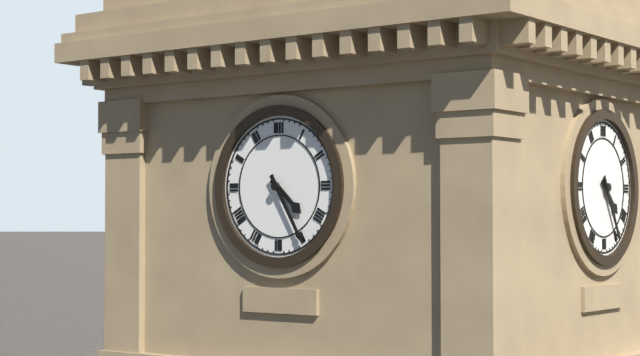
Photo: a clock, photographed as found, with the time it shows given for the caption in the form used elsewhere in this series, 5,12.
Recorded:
4,25
